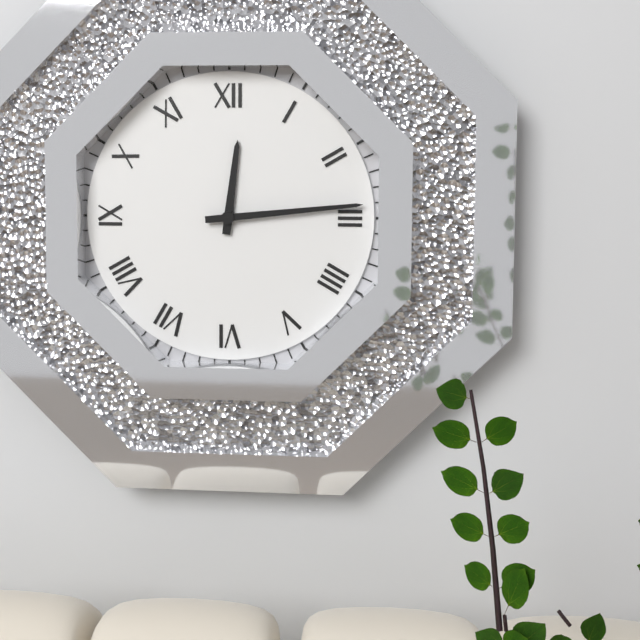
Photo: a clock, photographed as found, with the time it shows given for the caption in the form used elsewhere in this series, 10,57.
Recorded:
12,14
